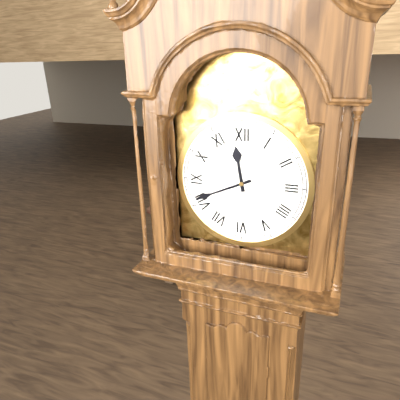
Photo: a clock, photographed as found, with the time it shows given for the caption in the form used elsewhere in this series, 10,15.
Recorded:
11,41
